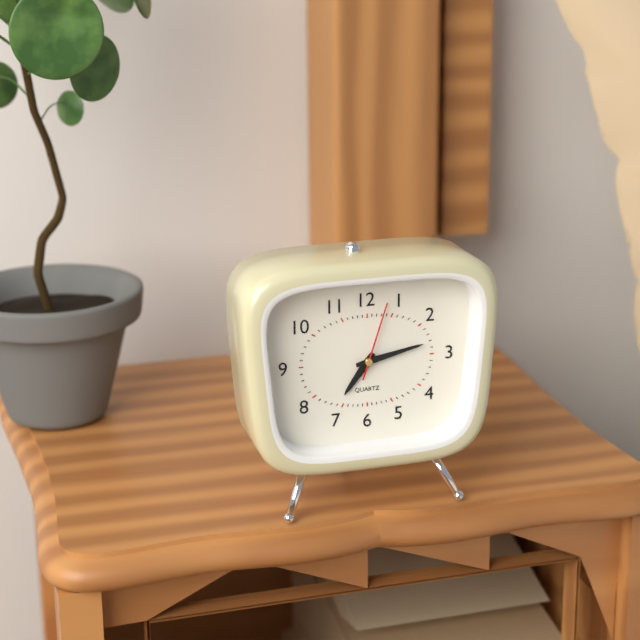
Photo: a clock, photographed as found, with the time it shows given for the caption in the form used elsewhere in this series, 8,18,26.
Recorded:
7,13,03
